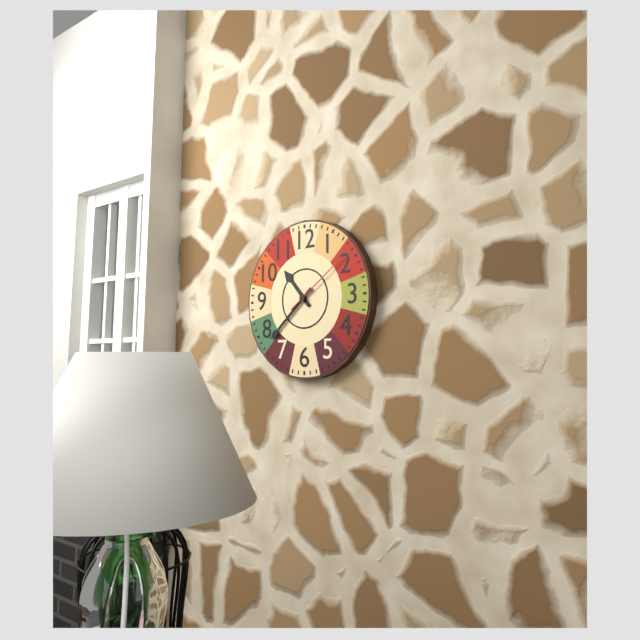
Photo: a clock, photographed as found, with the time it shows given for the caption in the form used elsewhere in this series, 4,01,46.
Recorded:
10,38,09
